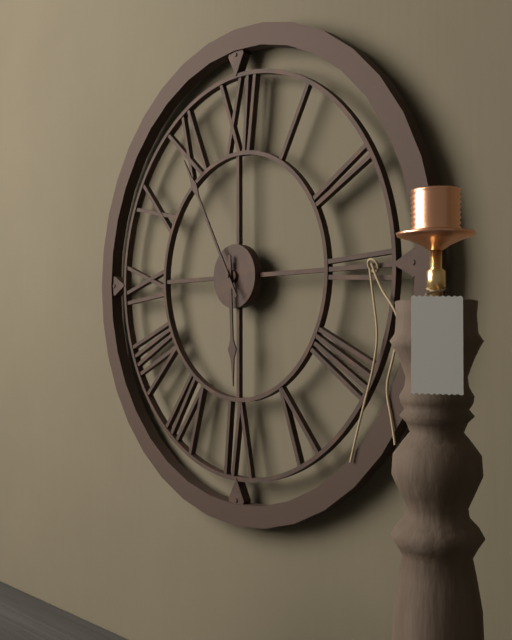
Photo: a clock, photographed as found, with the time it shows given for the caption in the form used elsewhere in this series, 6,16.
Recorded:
5,55
